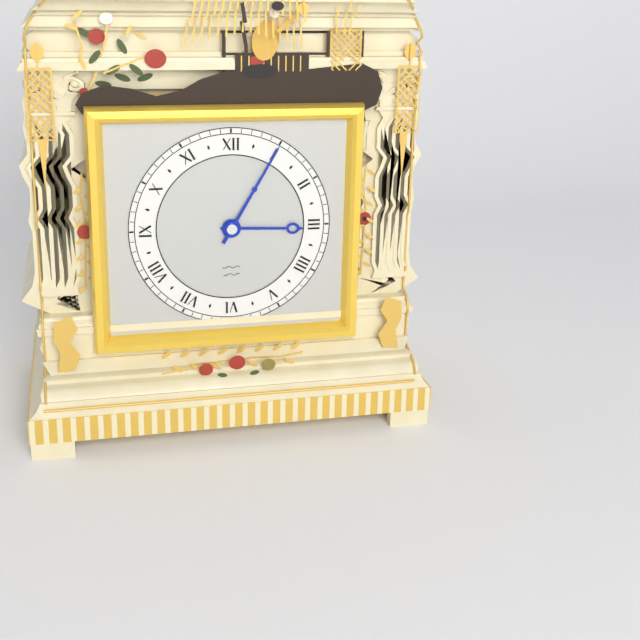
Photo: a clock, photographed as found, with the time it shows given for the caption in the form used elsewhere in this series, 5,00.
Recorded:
3,05
